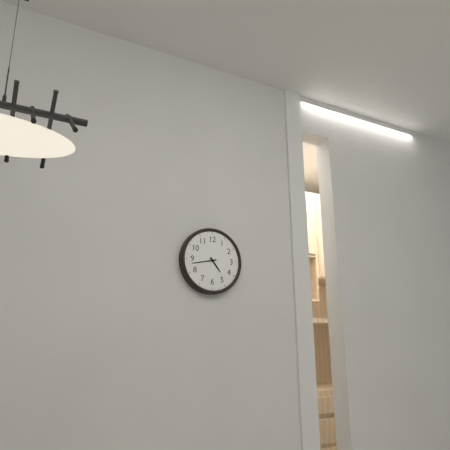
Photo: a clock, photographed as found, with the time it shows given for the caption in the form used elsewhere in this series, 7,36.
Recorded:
4,43
